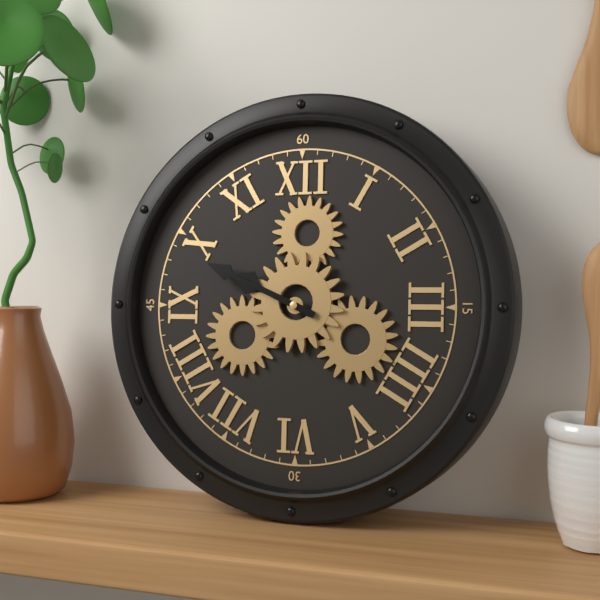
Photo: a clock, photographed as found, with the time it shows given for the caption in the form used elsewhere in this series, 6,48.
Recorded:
9,49
